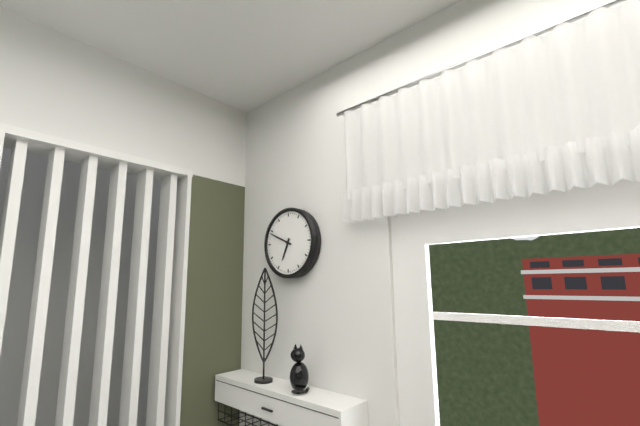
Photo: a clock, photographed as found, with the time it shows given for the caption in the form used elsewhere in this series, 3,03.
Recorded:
6,49
